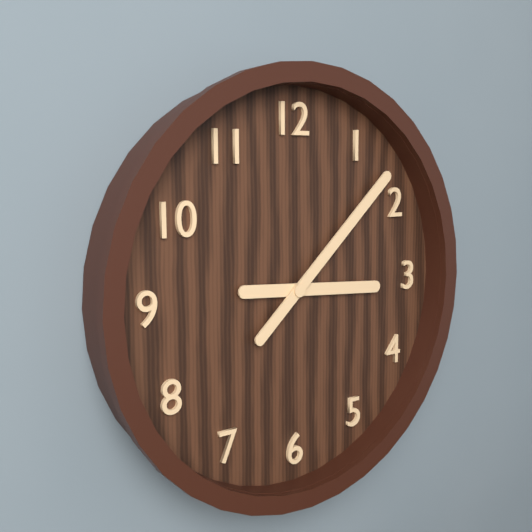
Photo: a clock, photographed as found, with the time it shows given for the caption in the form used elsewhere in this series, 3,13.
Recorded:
3,08
